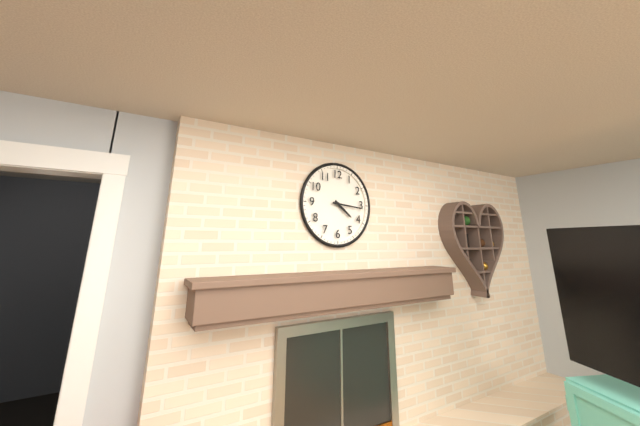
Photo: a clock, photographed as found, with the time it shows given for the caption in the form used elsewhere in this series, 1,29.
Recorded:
4,16
